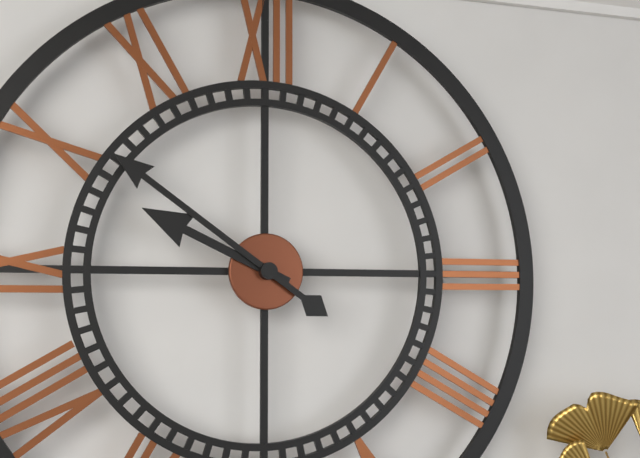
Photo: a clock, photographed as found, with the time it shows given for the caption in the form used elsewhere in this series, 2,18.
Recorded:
9,51
